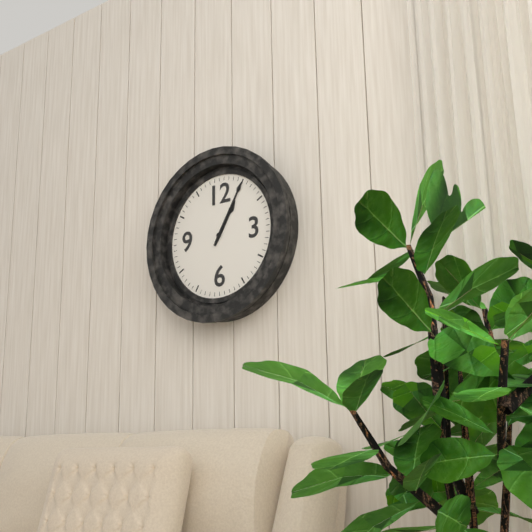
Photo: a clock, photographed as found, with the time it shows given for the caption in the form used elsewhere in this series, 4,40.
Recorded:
1,05
